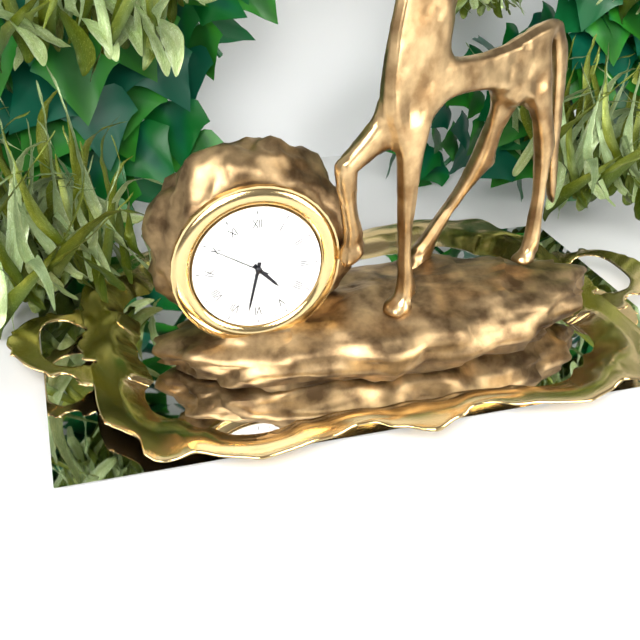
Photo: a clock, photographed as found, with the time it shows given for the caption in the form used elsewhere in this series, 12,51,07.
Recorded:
4,32,50
